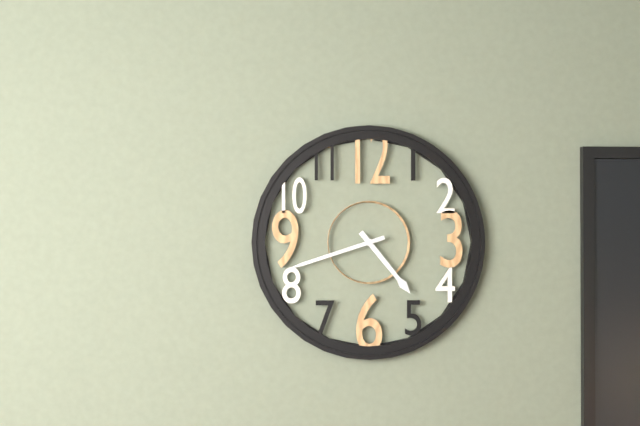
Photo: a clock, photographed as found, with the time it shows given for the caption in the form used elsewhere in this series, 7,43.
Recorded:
4,42
